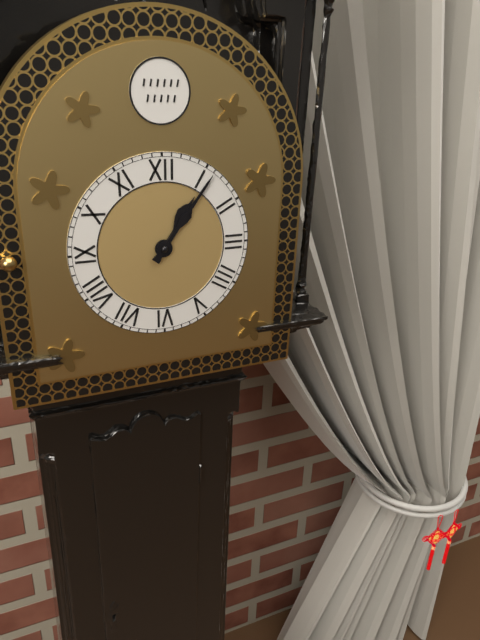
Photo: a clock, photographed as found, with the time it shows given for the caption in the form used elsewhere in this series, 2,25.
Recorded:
1,06
